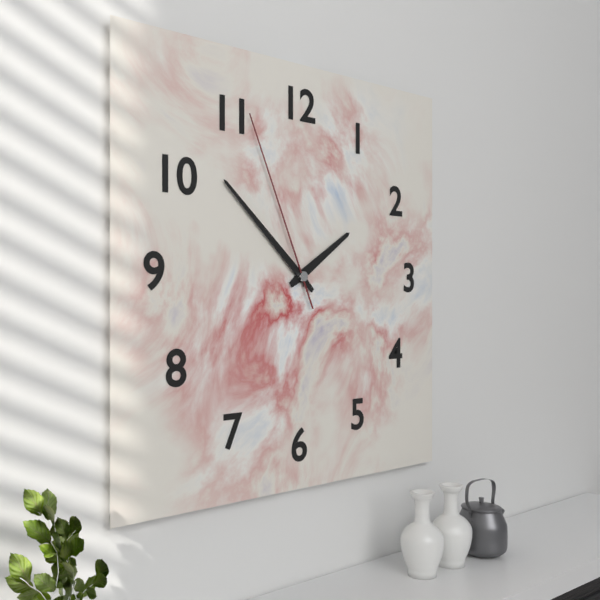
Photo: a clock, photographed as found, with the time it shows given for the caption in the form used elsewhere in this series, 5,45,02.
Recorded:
1,52,56
